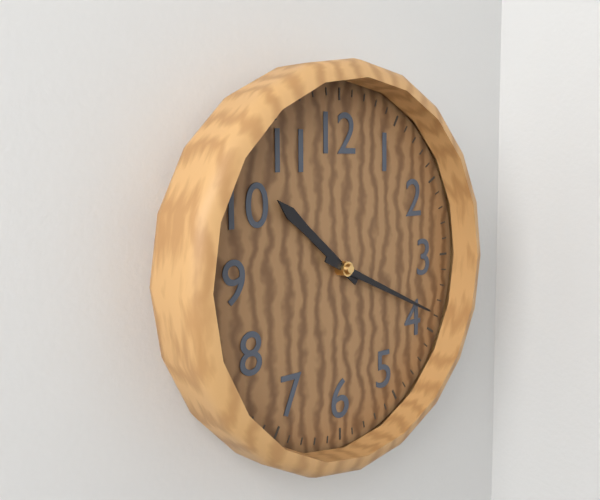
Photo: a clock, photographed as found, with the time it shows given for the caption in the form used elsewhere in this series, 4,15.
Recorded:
10,19
